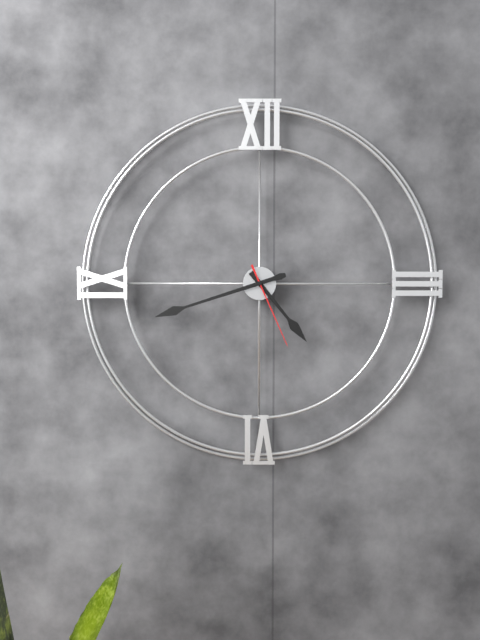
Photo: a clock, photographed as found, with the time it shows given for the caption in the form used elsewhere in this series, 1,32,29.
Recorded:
4,42,26
